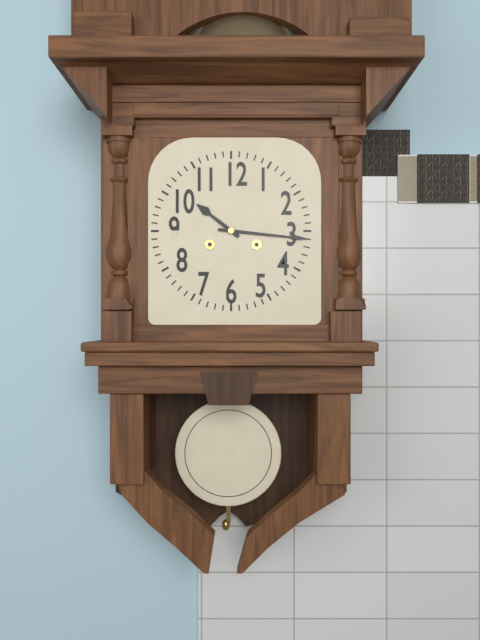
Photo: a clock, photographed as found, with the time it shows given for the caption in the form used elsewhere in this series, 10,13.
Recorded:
10,16
